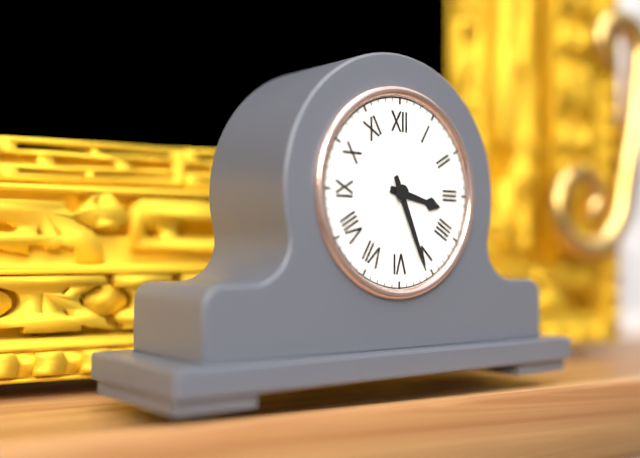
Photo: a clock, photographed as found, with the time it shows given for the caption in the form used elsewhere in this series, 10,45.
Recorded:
3,26
